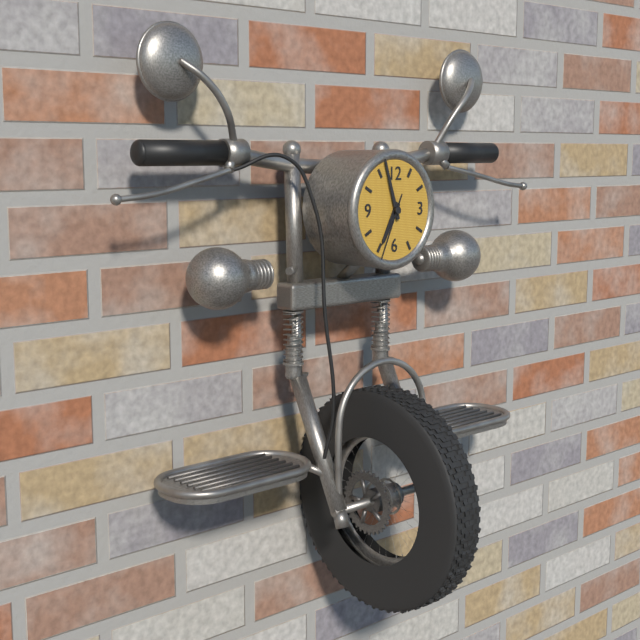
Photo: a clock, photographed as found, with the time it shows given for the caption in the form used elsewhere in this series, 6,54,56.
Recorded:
6,57,34
